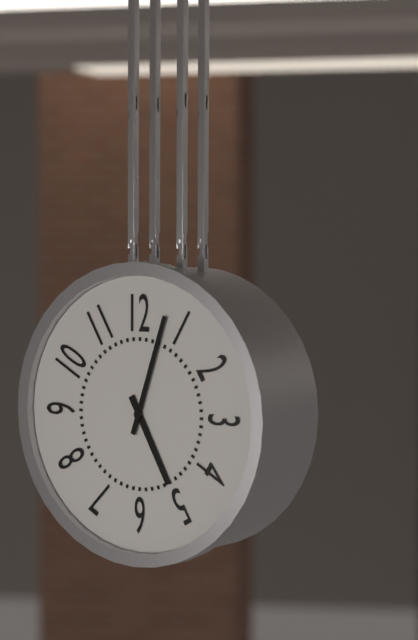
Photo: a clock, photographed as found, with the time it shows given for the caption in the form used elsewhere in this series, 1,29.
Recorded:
5,03
